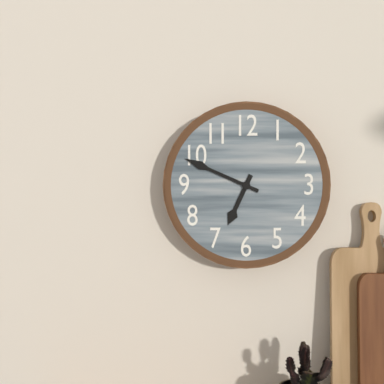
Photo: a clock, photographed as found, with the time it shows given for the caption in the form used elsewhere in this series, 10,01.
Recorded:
6,49
